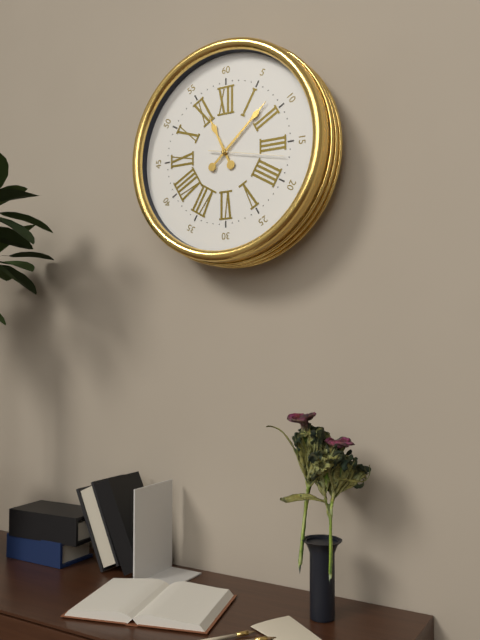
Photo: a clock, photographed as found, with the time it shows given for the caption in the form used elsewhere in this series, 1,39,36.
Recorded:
11,08,17
